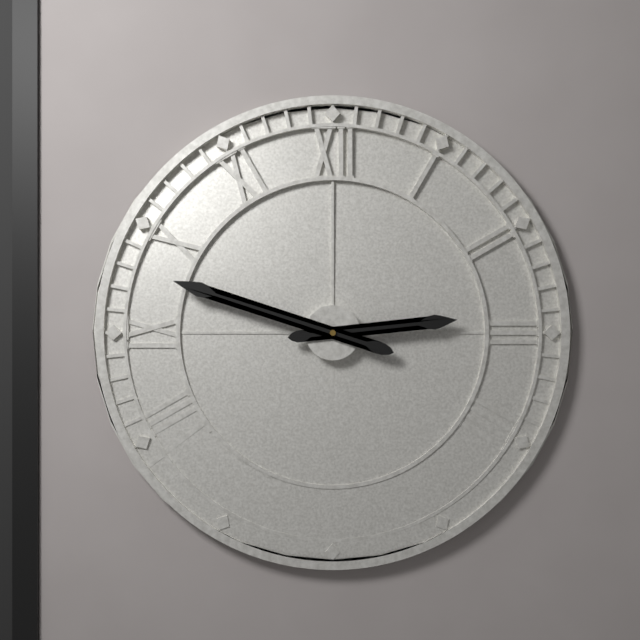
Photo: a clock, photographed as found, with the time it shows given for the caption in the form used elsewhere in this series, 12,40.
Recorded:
2,48
